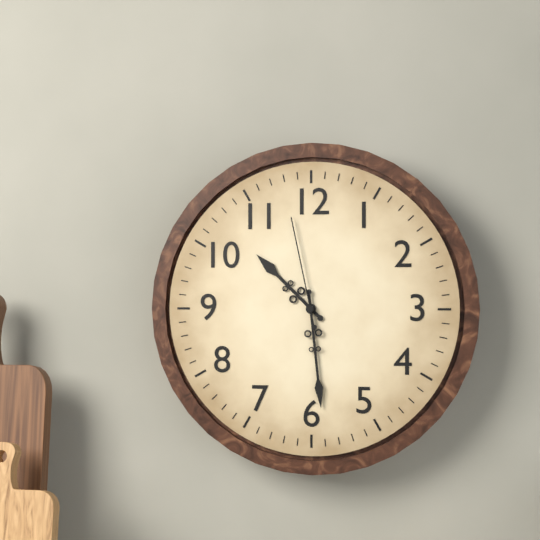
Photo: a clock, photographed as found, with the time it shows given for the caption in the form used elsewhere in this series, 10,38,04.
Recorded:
10,29,58
